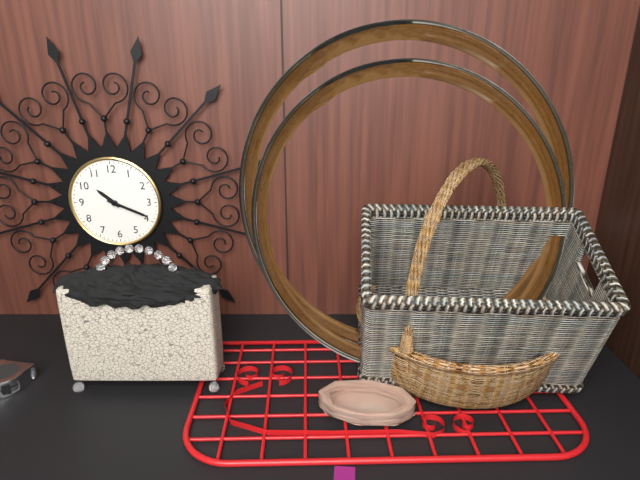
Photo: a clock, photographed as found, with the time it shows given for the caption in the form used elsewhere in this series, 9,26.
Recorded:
10,19
